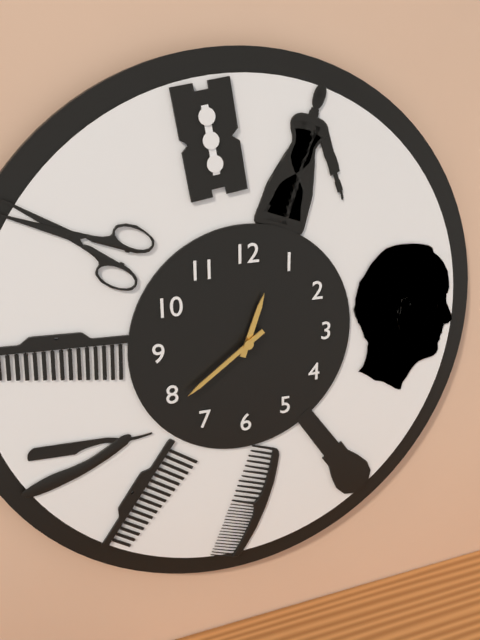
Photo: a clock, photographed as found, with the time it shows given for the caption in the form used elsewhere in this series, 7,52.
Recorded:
12,39
